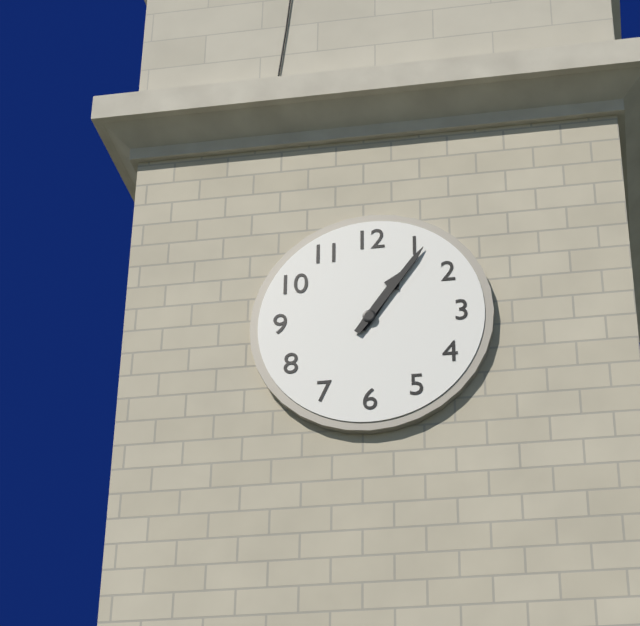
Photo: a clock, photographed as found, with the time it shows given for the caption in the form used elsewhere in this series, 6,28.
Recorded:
1,06
